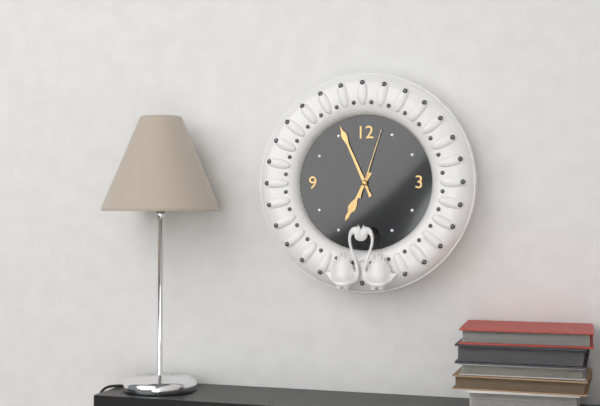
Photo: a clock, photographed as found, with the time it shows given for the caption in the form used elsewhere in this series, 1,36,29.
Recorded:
6,56,03
